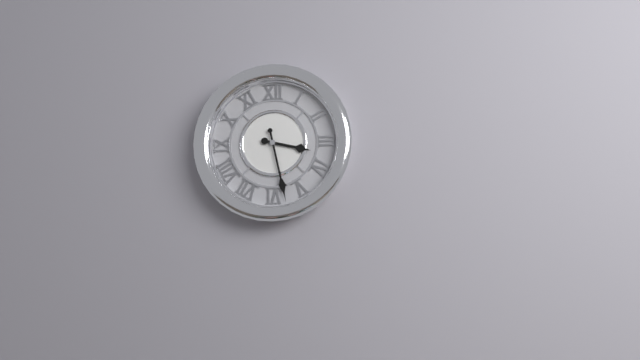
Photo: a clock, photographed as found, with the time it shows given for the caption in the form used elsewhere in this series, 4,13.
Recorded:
3,28
